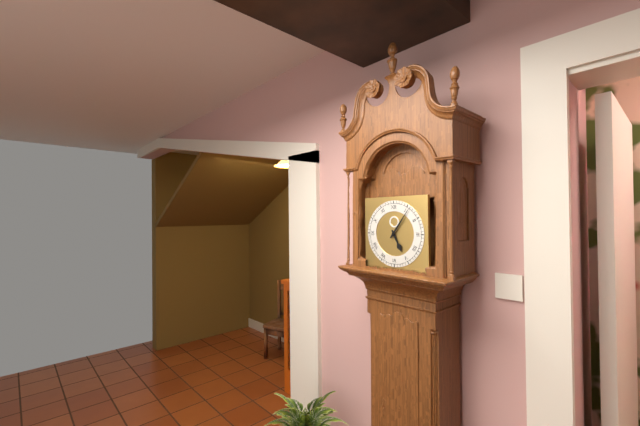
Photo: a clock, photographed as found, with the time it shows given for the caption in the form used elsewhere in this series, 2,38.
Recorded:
5,06
